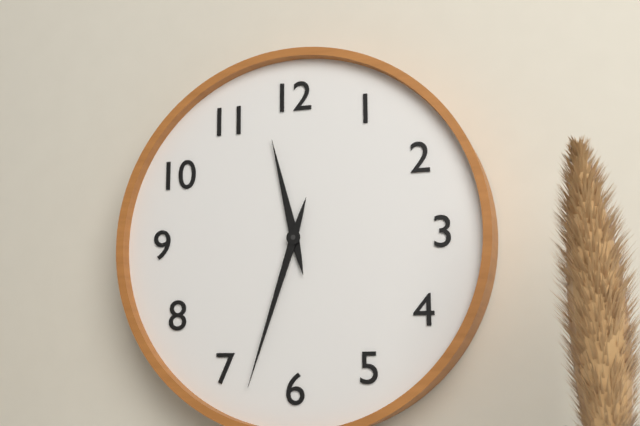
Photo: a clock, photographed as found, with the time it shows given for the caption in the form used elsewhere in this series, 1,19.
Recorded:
11,33
